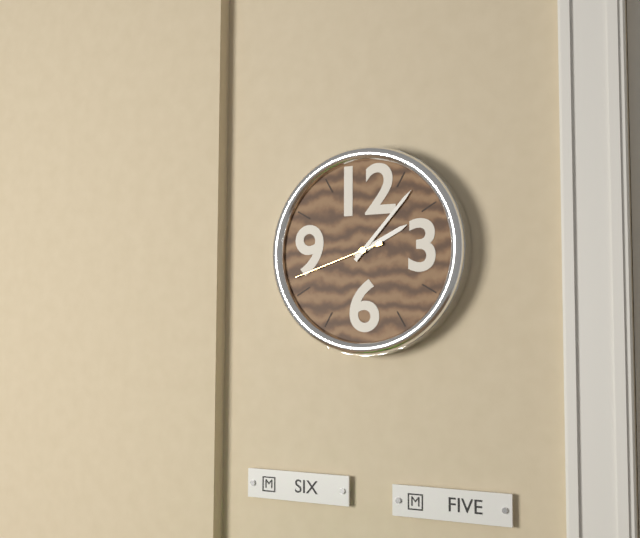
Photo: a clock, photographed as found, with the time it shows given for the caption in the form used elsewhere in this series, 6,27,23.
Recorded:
2,07,42
